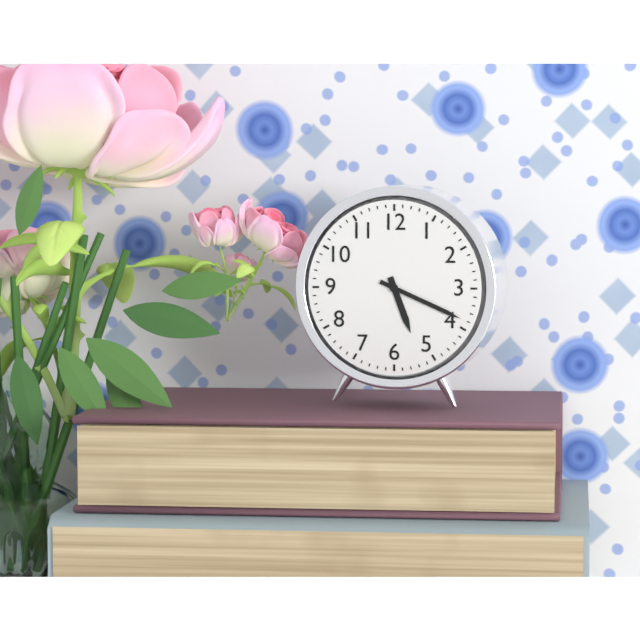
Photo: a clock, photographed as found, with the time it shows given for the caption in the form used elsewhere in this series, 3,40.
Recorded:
5,19
